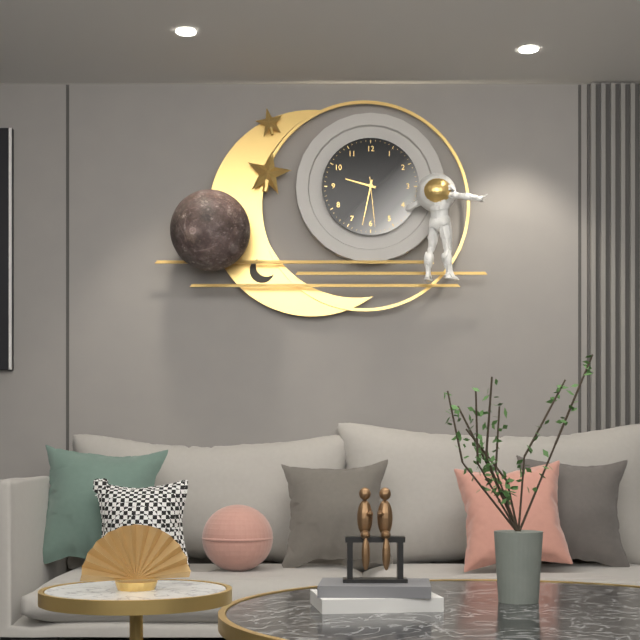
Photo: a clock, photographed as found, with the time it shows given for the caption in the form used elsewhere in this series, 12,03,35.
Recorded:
9,32,29
